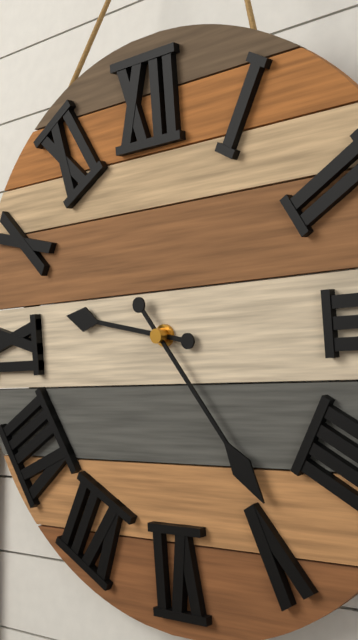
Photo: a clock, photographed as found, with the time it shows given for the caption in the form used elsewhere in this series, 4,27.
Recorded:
9,24
